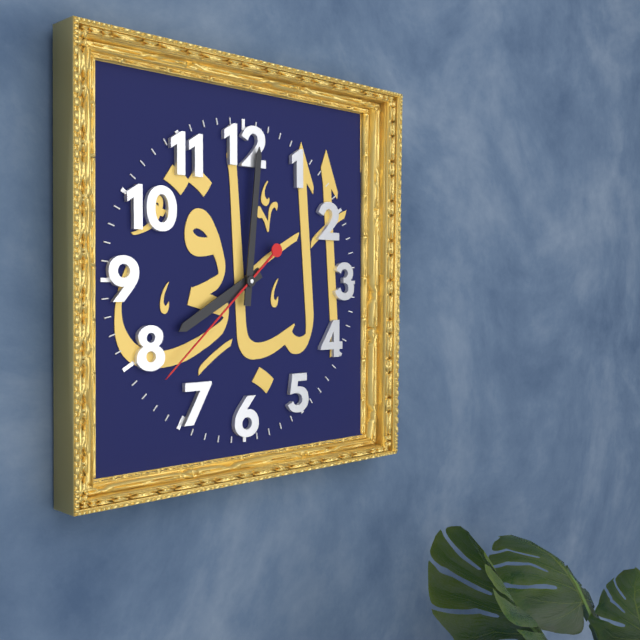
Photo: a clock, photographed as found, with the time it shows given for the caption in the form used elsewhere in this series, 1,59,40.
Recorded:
8,01,38
